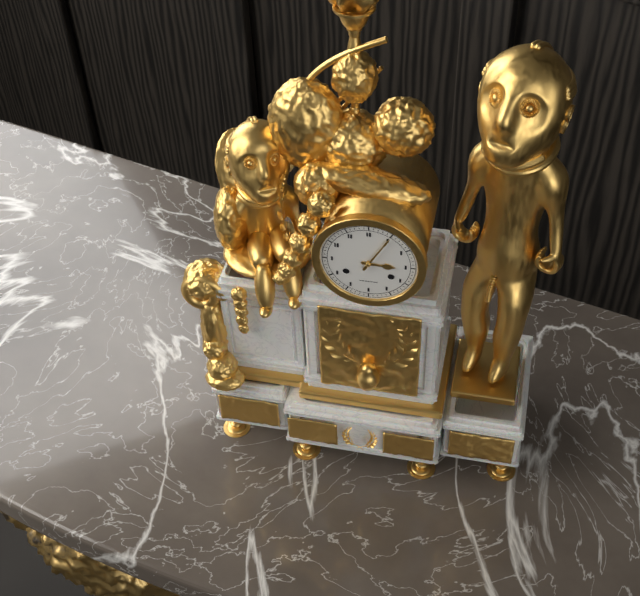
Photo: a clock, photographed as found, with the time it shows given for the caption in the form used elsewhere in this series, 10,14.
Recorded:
3,05
